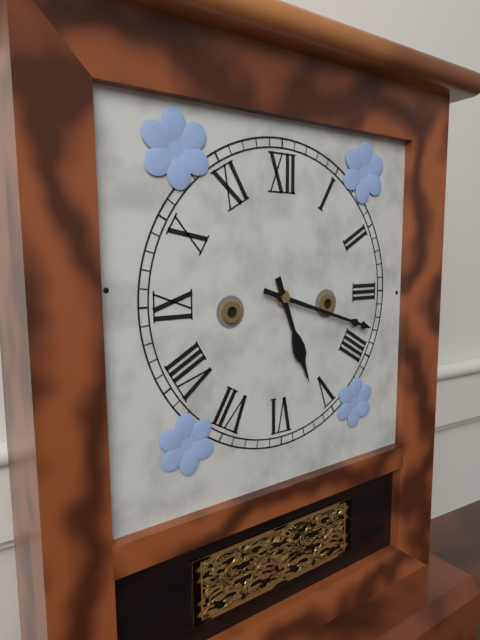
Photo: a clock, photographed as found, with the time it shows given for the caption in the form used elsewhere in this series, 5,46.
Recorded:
5,18
